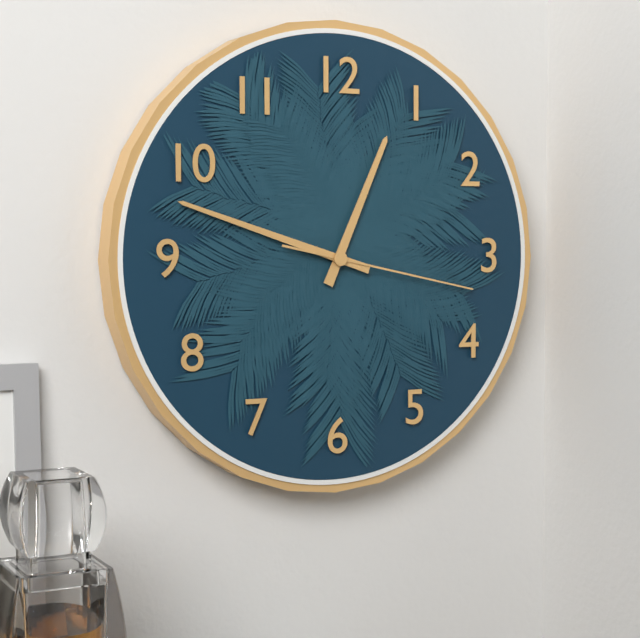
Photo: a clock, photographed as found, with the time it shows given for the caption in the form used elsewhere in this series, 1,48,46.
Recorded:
12,48,17
